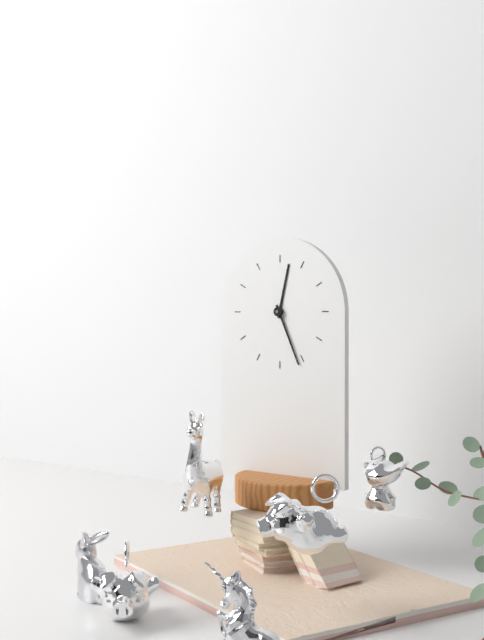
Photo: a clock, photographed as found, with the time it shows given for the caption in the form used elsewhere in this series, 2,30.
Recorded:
12,26
